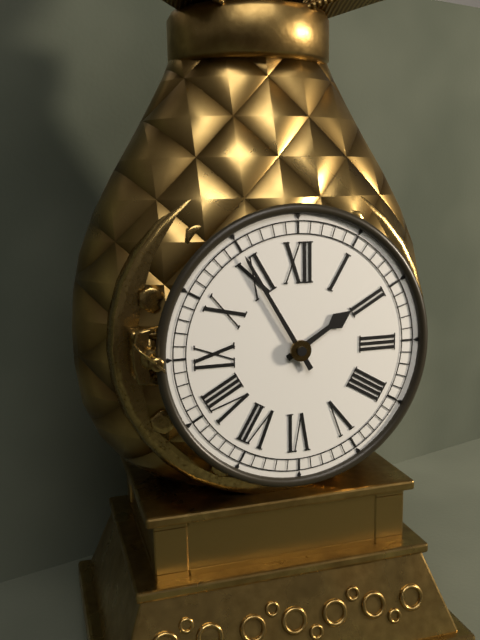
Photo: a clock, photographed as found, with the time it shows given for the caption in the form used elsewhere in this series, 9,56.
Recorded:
1,55
